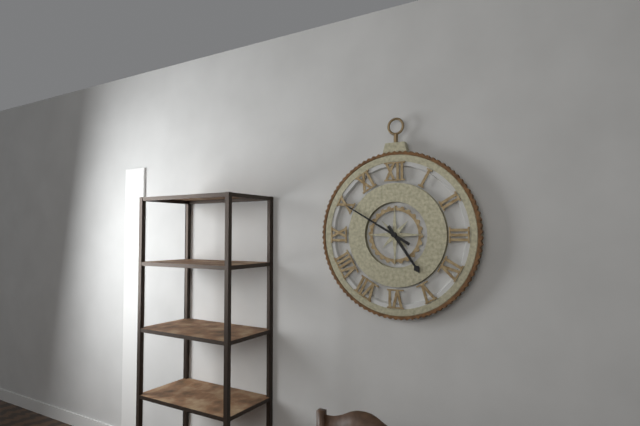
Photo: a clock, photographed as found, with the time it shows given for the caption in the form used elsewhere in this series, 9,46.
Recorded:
4,50
